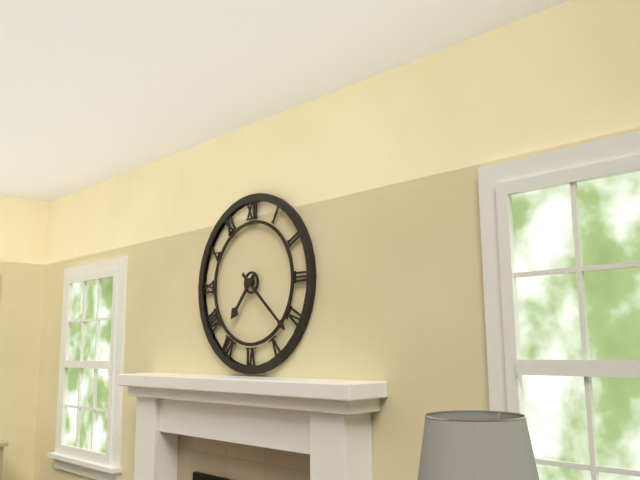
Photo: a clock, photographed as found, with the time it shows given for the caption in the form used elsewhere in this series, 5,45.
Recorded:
7,22
